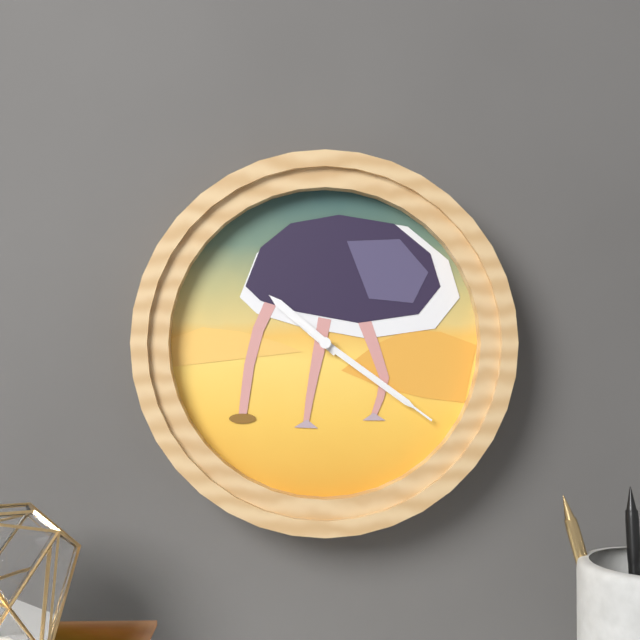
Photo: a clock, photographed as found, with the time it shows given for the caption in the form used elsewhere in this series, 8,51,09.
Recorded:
10,21,21
